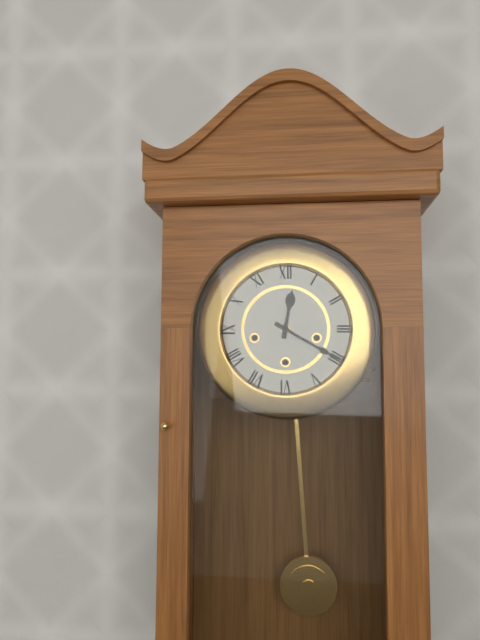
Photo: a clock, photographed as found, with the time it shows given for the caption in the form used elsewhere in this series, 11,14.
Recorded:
12,20
